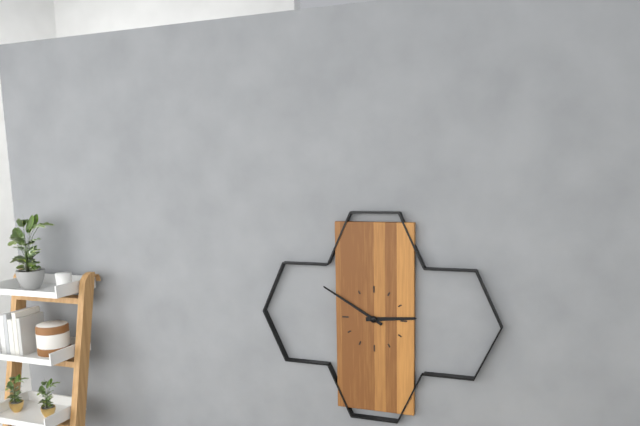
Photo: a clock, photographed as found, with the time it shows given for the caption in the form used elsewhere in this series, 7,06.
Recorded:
2,50
